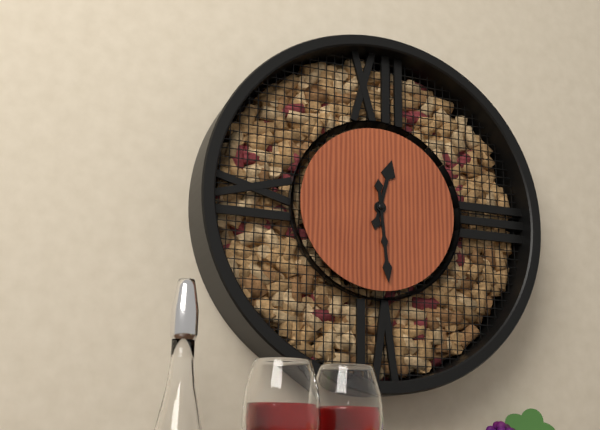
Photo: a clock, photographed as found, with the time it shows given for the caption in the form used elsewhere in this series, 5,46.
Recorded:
12,29
